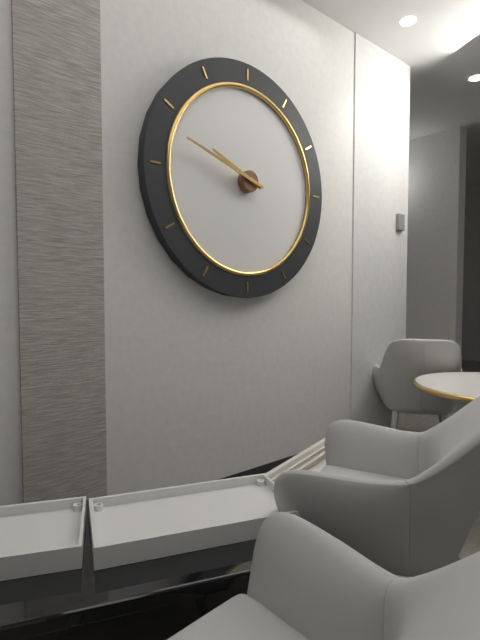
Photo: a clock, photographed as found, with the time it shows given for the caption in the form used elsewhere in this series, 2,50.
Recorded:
9,48
